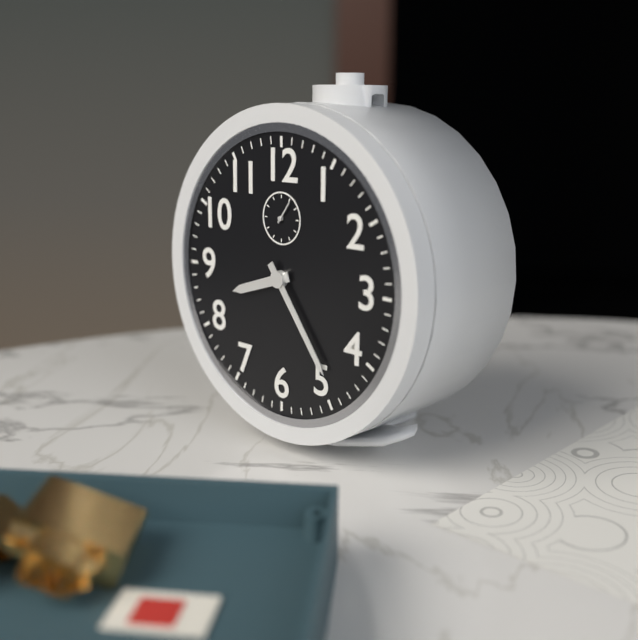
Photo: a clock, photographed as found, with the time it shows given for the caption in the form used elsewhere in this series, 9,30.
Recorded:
8,24
